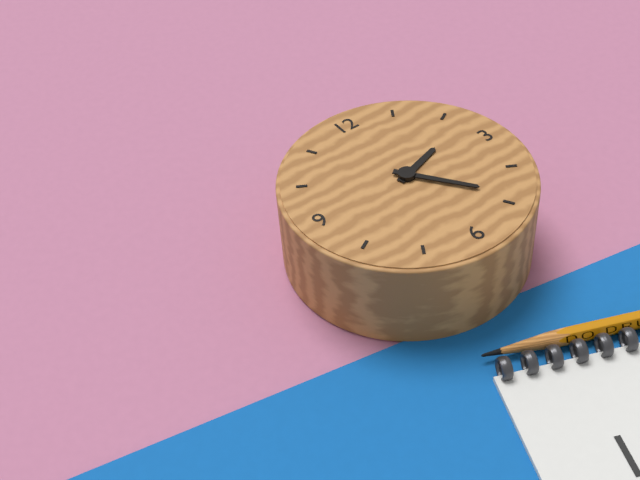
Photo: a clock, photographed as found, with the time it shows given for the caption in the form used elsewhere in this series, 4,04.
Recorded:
2,24
